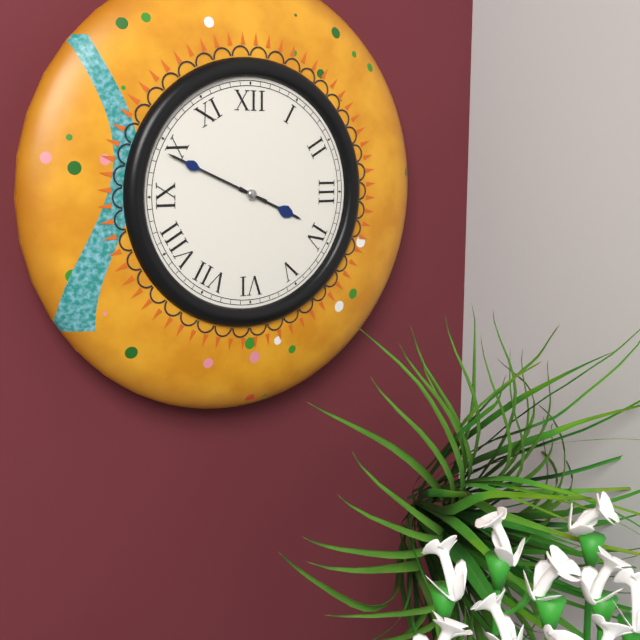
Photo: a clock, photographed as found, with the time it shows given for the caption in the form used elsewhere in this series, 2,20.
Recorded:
3,49
